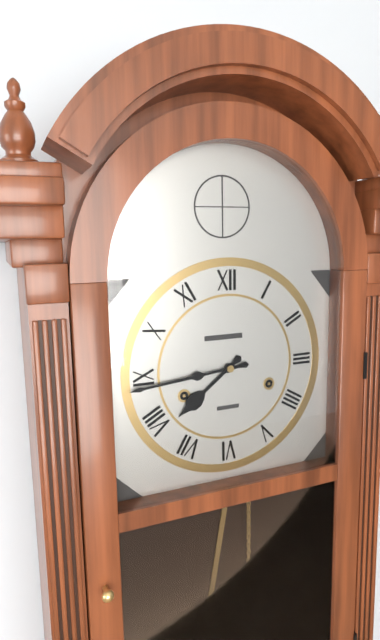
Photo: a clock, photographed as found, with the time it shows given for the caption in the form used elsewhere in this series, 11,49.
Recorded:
7,44
